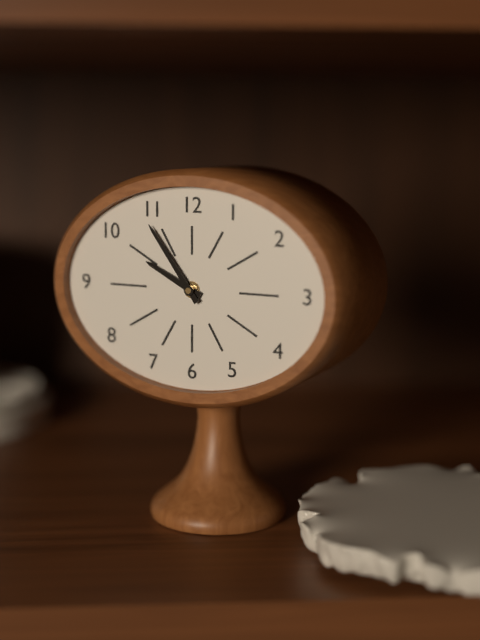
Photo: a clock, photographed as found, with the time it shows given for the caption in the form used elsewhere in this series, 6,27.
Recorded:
9,54
